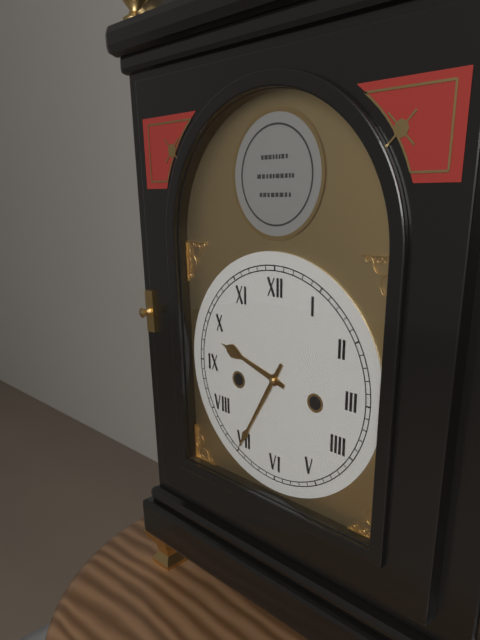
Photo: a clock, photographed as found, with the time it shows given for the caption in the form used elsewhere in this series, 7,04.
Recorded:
9,35
